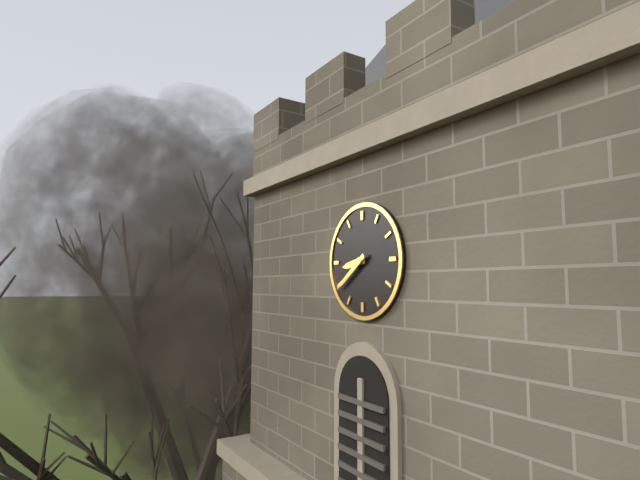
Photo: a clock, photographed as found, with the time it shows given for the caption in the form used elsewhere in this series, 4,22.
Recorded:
8,39
